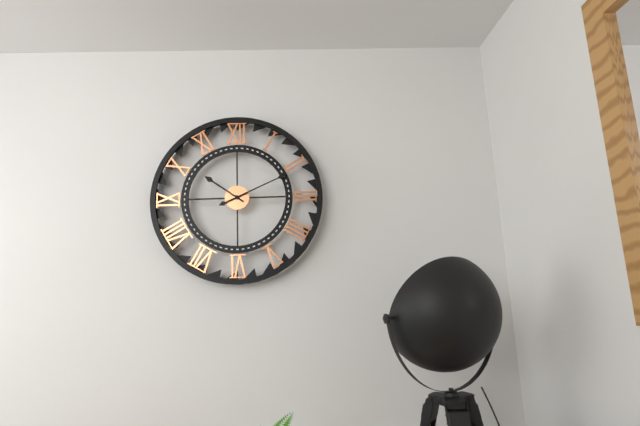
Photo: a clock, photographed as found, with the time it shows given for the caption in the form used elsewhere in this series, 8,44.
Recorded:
10,11
